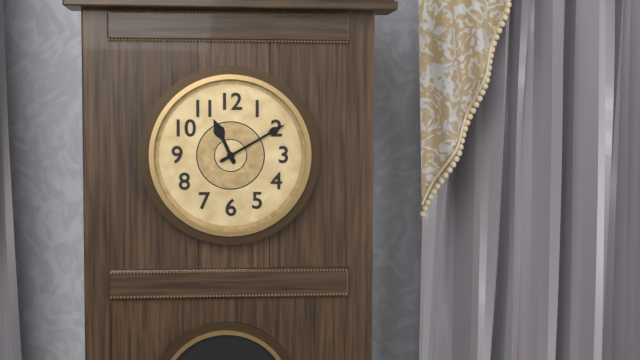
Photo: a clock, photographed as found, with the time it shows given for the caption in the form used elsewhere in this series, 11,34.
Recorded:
11,10
